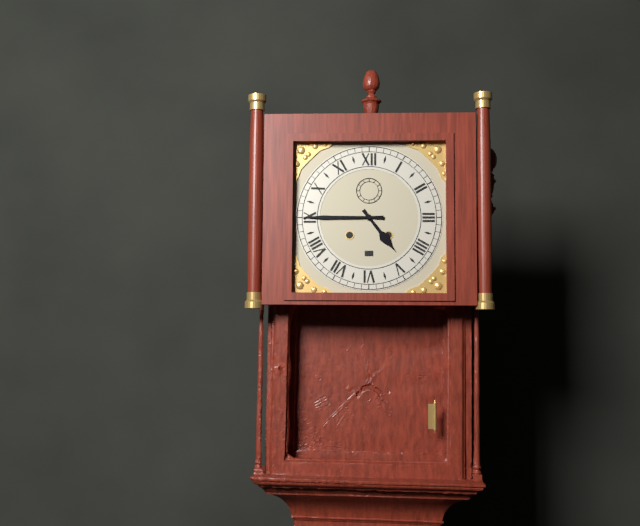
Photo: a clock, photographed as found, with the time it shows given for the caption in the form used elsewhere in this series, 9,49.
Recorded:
4,45
